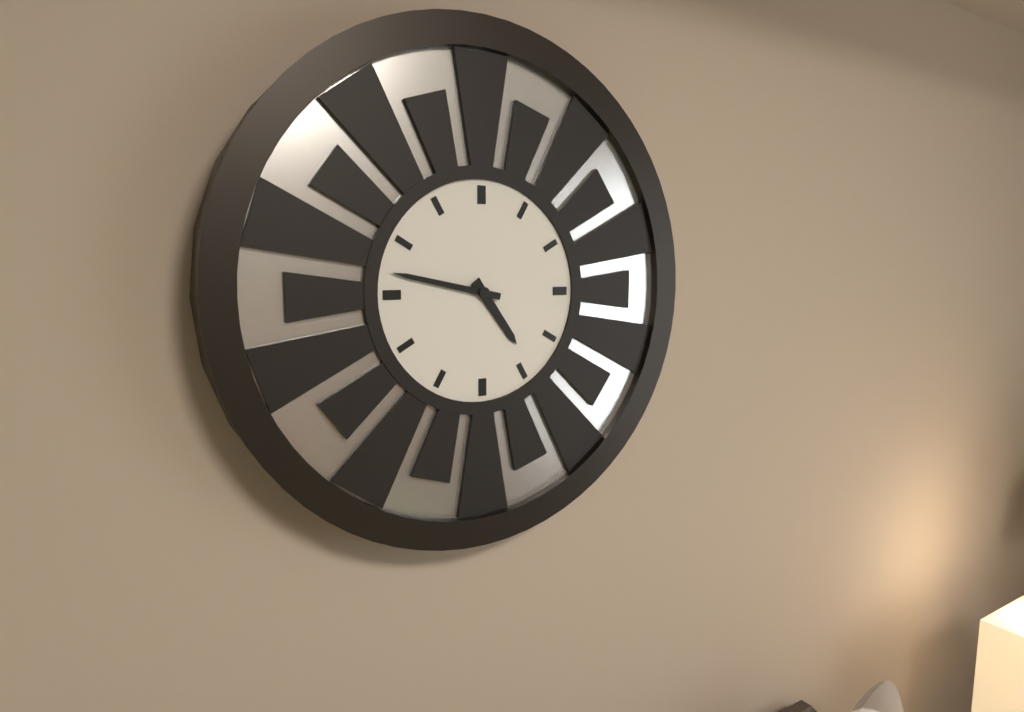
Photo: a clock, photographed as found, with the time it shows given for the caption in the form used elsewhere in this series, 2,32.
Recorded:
4,47
